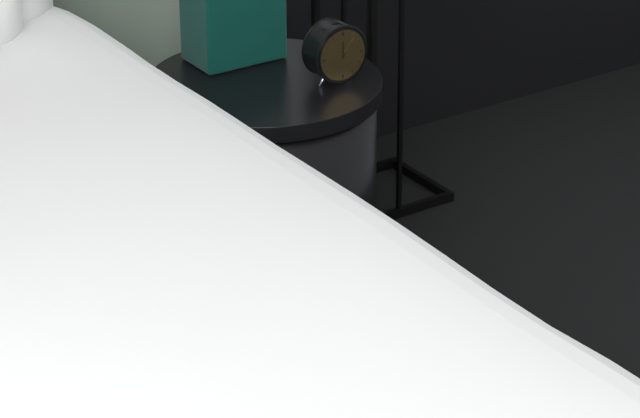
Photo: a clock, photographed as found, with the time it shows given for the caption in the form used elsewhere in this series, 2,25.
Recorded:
12,07
